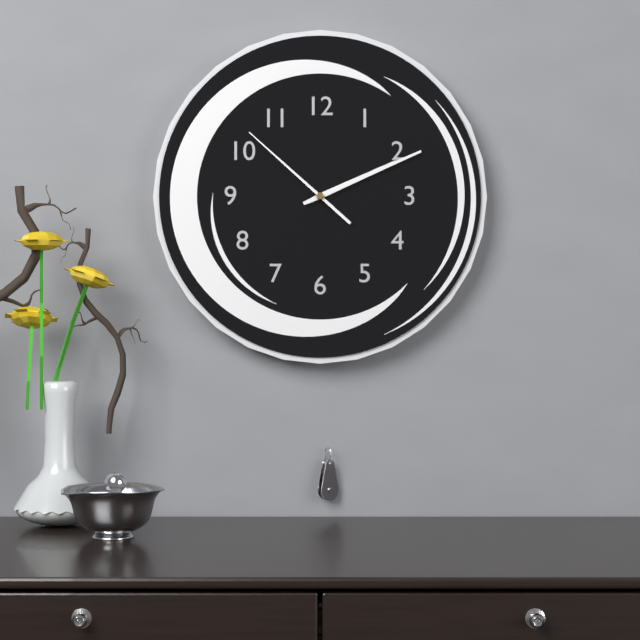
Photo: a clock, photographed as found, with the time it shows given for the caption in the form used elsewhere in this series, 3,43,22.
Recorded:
2,11,52
